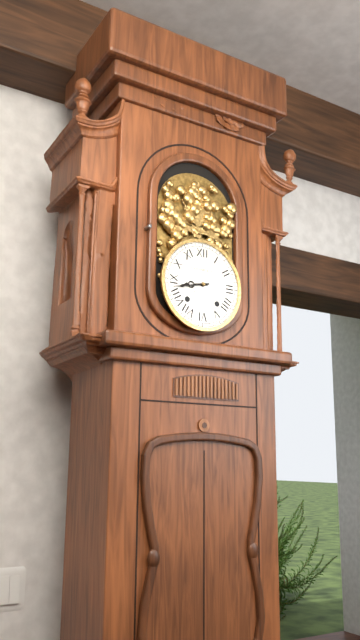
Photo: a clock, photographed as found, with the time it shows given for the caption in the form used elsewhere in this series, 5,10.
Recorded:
8,43
